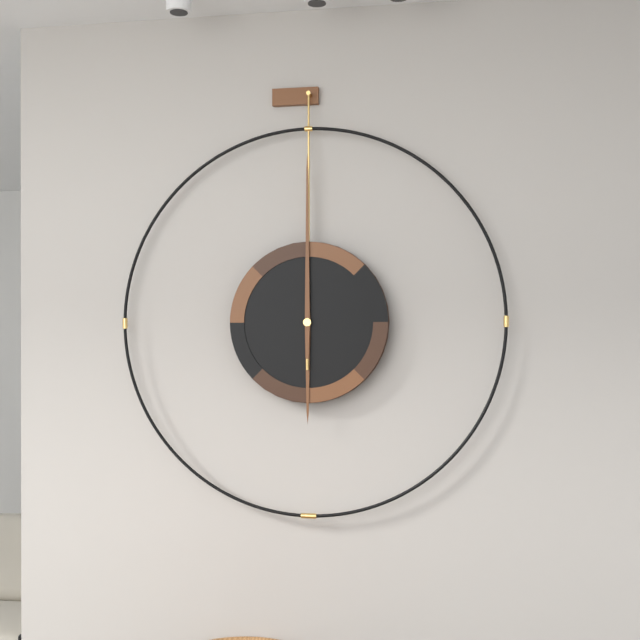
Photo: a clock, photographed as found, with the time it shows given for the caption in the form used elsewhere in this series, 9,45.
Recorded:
6,00
